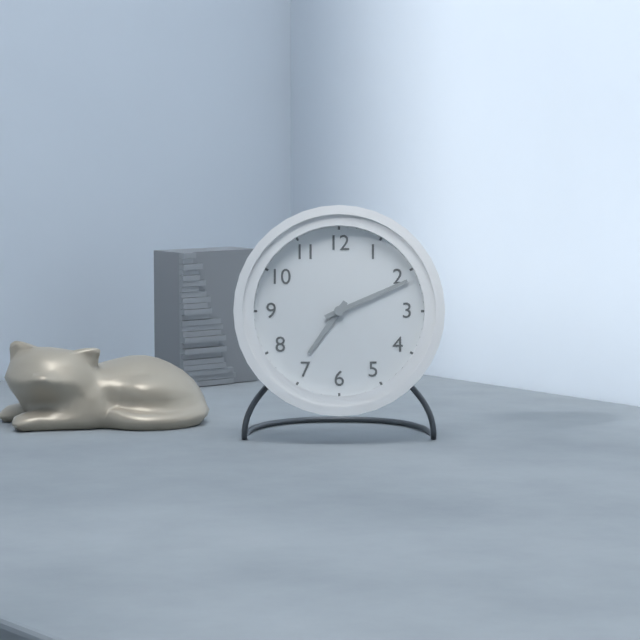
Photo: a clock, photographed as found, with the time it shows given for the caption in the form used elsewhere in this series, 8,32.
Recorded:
7,11
